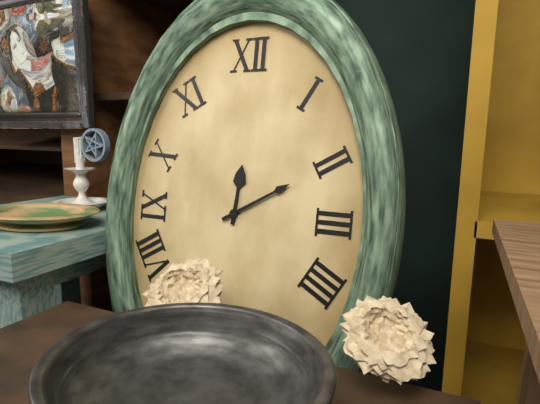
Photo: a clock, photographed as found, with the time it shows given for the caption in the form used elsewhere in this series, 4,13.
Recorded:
12,10
